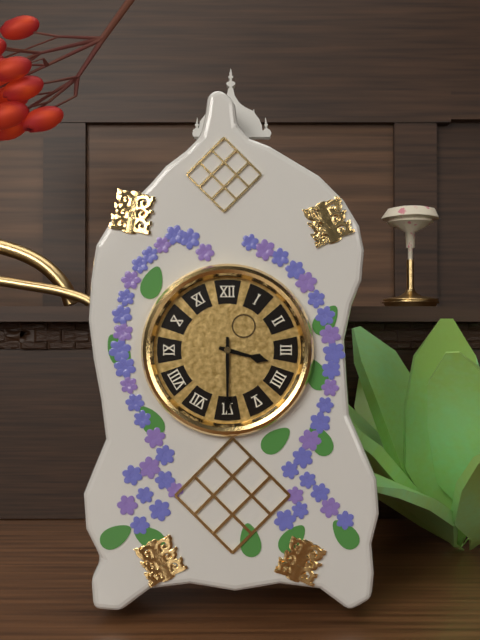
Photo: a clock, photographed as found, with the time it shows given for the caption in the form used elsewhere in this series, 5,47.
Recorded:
3,30
